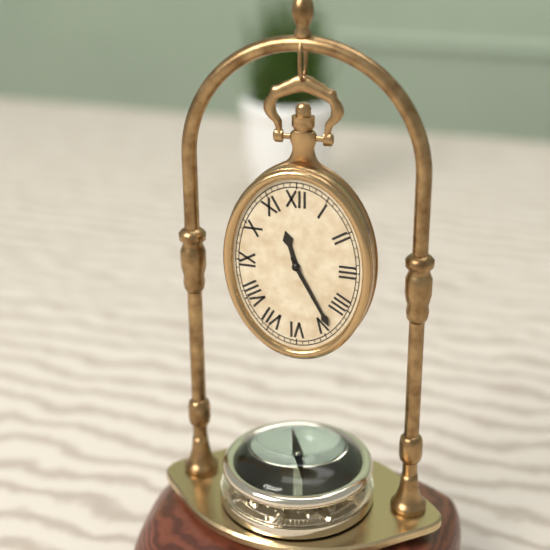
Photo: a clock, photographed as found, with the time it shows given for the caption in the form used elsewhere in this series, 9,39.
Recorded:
11,25
